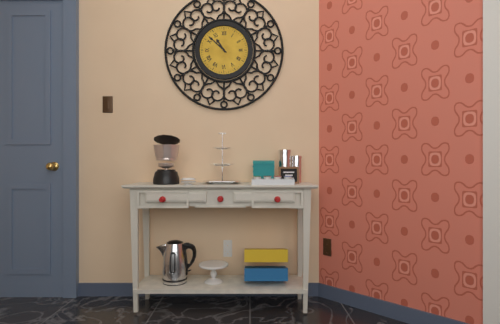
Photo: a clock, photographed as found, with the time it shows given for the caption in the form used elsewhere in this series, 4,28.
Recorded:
10,52
